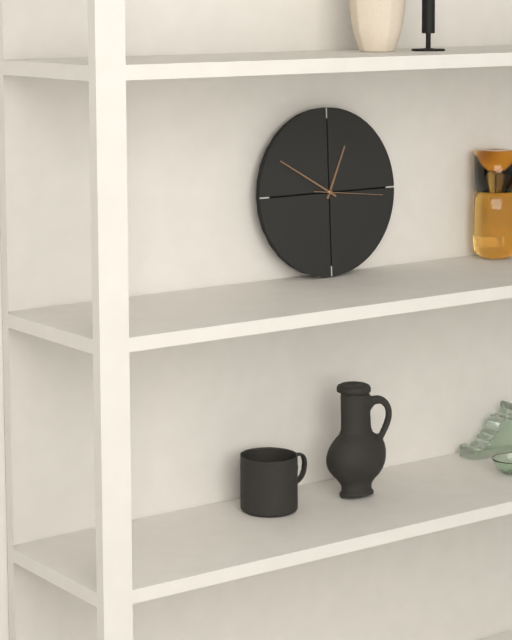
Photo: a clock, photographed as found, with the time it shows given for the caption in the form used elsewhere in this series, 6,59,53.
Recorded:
12,50,16
